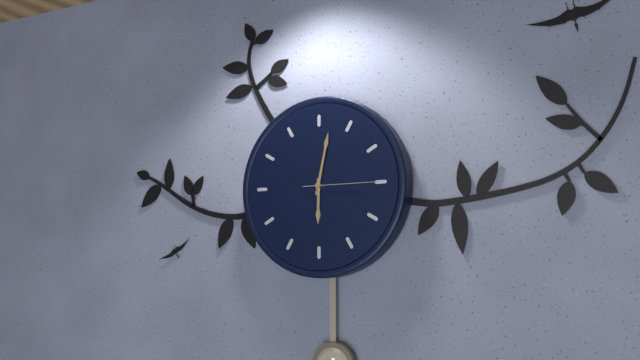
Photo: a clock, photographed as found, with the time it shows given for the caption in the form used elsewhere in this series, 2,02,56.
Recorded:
6,02,15
